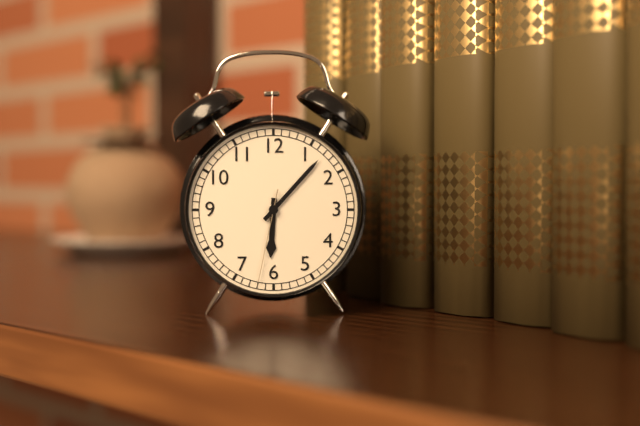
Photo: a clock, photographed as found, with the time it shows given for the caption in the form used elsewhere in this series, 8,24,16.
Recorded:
6,07,32
